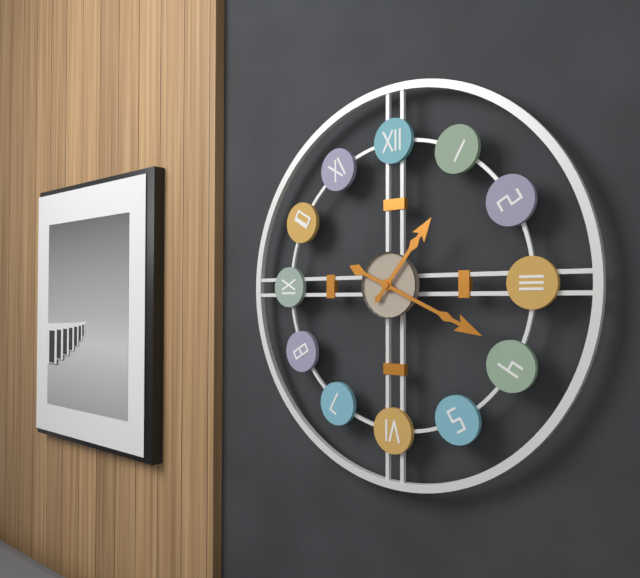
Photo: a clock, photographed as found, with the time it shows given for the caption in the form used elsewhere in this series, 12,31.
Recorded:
1,19
